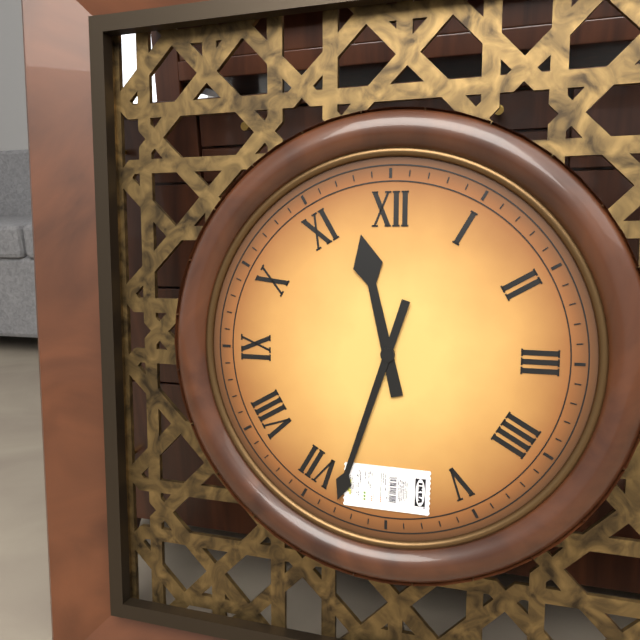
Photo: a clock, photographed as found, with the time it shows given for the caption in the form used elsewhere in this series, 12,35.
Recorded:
11,33
